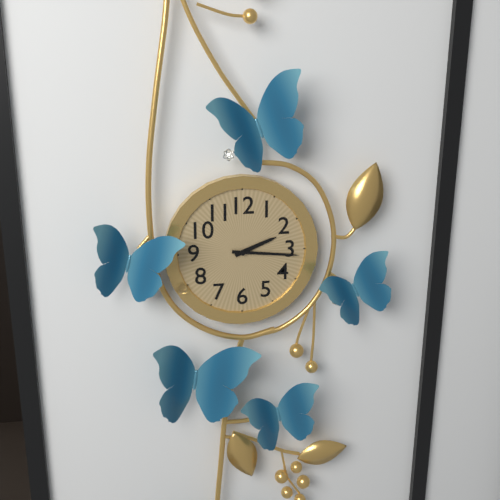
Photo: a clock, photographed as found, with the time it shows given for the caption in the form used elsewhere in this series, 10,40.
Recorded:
2,16
